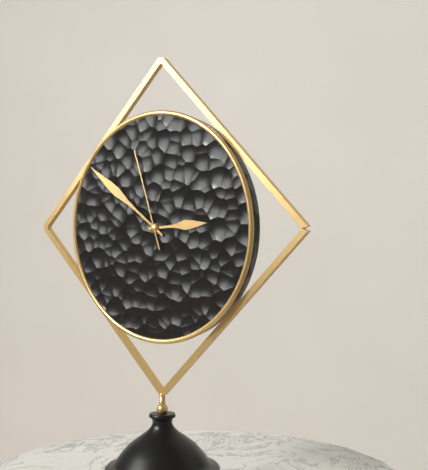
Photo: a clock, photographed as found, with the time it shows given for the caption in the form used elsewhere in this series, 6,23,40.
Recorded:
2,51,57
